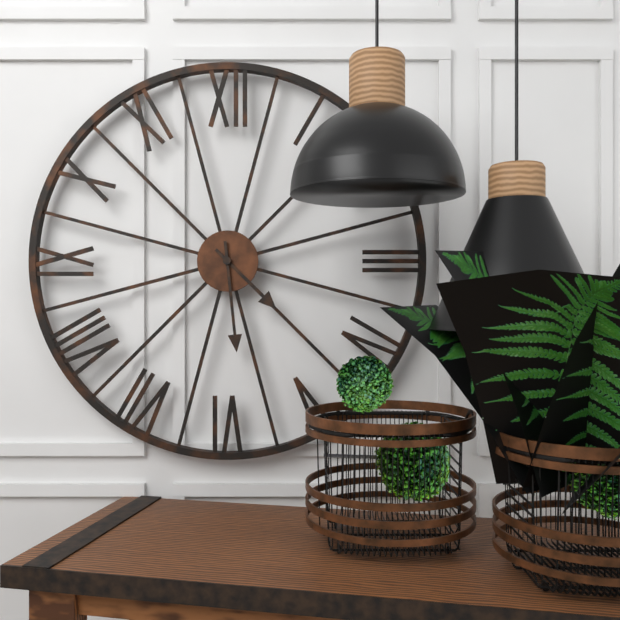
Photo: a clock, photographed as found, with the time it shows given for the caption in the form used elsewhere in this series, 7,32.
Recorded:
4,29
